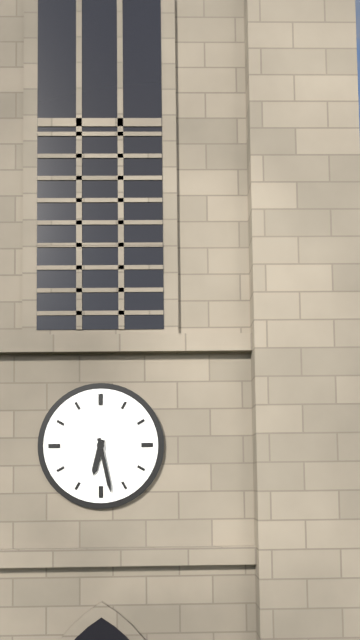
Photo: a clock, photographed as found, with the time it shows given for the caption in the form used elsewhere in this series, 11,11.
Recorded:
6,28
